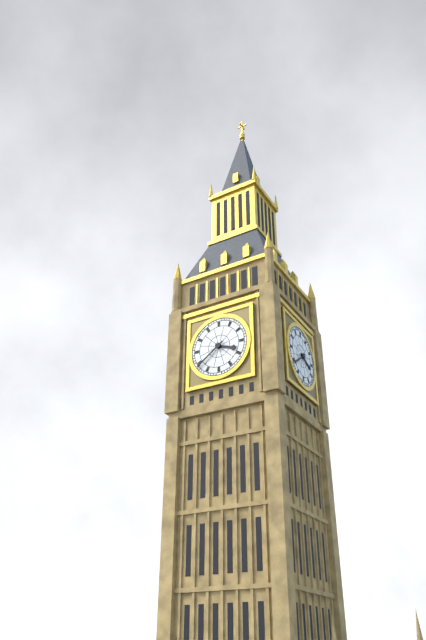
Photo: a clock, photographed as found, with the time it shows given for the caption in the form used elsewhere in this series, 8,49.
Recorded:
3,39
